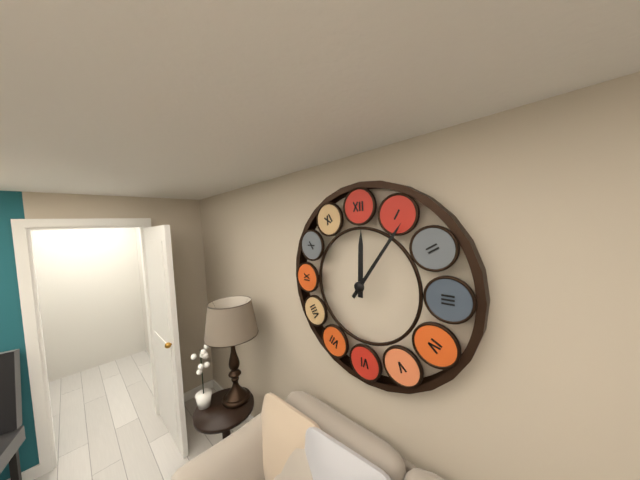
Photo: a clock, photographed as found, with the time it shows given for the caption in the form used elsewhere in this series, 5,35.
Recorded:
12,06
